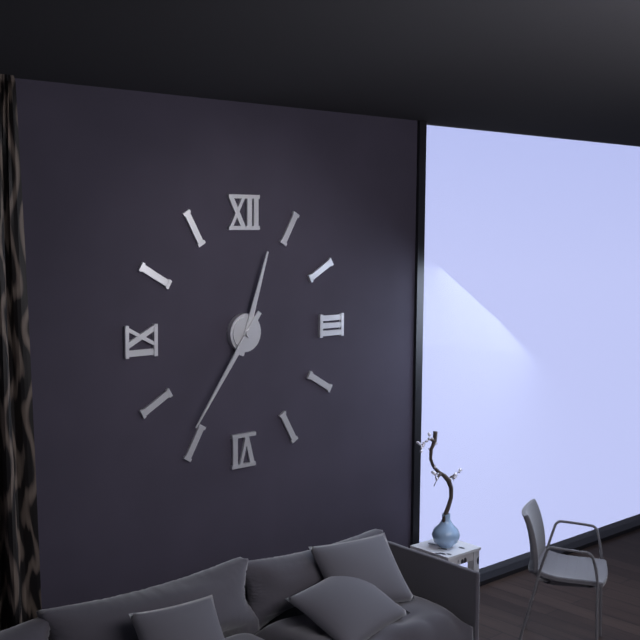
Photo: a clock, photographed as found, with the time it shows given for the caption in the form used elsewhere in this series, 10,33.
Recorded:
12,36
